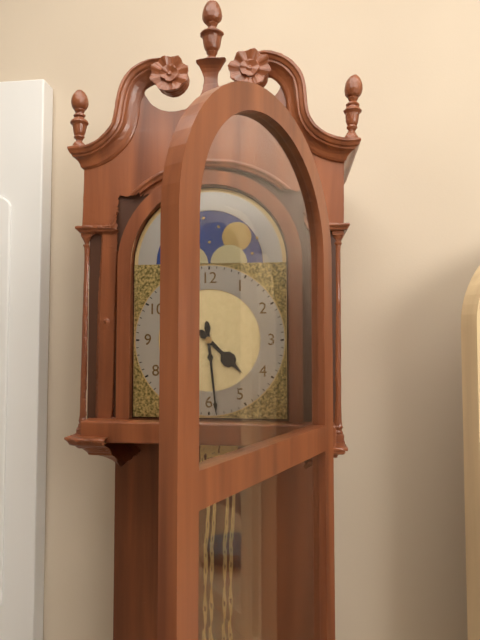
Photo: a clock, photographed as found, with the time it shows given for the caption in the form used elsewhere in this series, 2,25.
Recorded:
4,29
